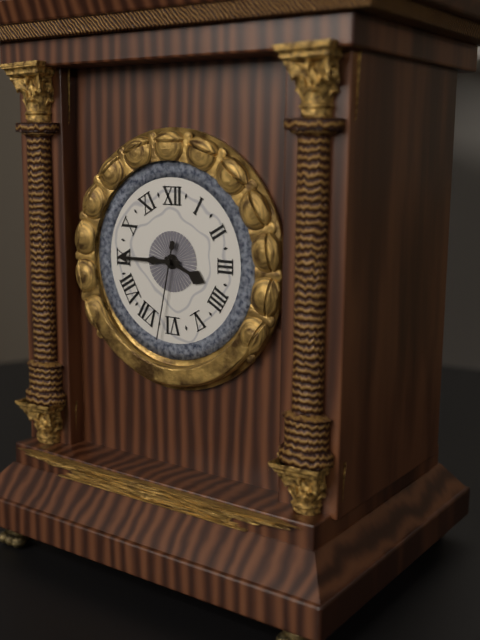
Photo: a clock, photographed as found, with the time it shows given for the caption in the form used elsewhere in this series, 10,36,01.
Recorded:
3,45,32
